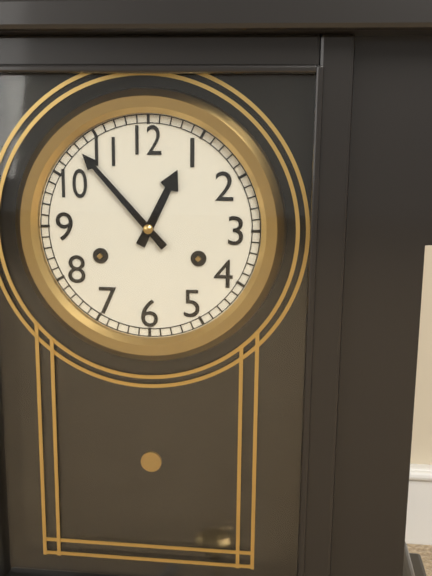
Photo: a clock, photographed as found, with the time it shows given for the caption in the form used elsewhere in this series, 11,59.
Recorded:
12,53
